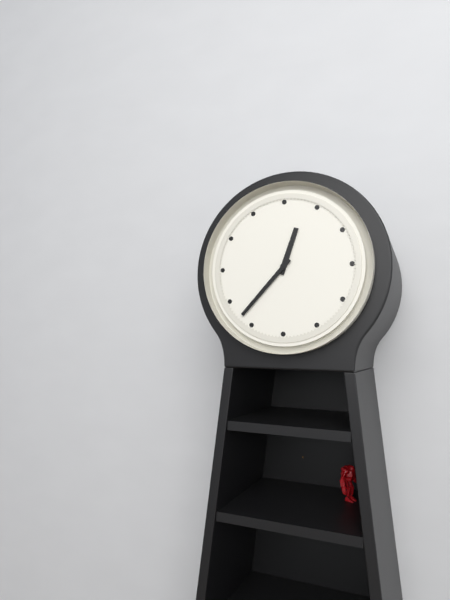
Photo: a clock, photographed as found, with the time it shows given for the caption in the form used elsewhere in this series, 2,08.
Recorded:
12,37
